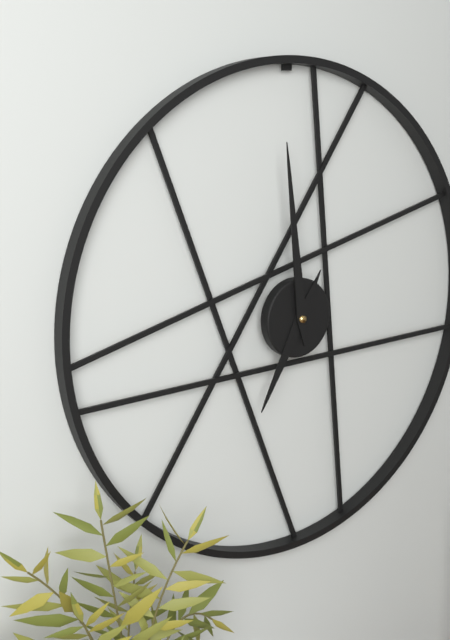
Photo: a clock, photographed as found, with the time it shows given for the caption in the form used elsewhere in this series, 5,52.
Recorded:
6,59
